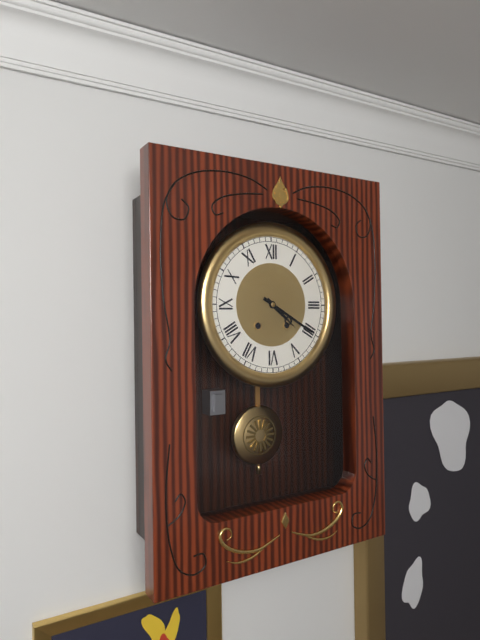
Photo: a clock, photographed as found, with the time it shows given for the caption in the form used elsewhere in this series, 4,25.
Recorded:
4,20
